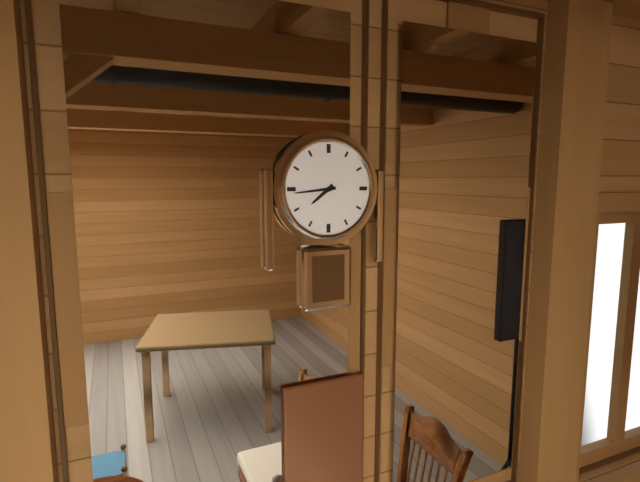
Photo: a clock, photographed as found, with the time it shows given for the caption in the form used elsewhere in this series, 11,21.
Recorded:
7,44
